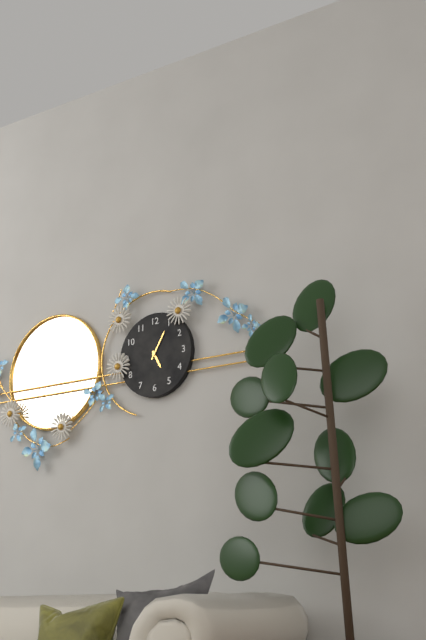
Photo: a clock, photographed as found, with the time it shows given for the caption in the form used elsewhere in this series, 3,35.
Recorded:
5,05
